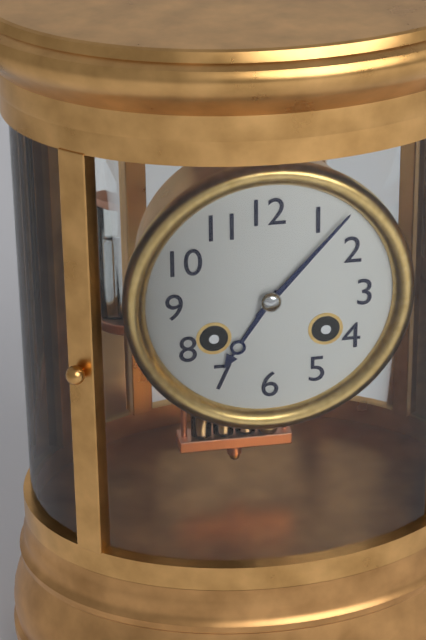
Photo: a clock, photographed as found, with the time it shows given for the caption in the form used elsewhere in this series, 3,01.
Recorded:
7,07
